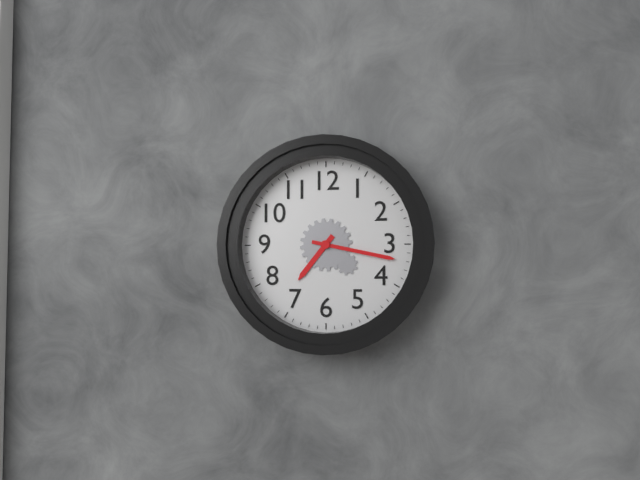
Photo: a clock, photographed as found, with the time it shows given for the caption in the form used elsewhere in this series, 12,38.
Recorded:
7,17
